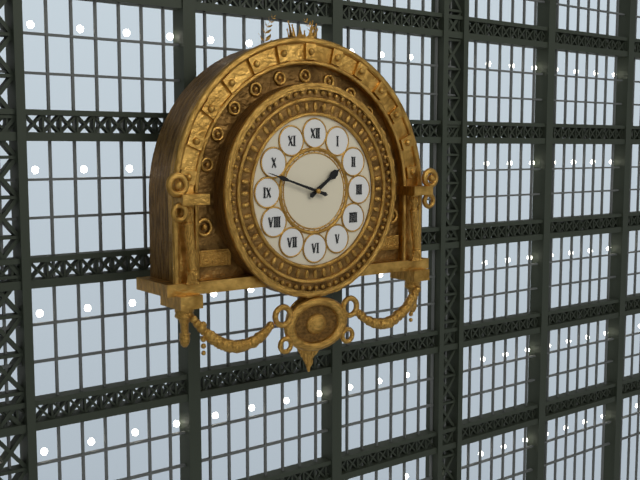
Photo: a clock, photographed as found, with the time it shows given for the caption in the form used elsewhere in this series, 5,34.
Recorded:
1,48
